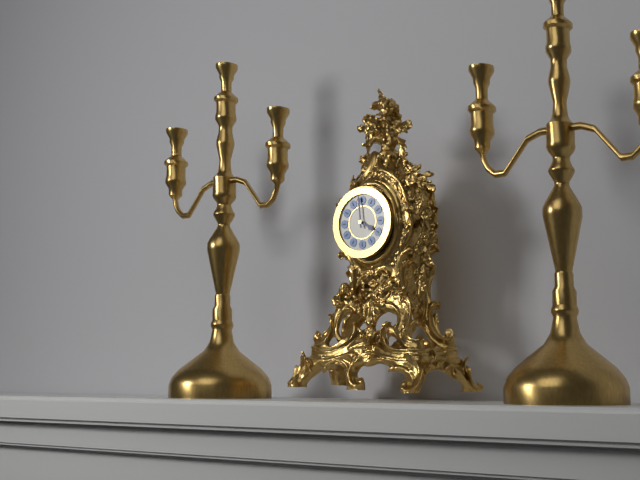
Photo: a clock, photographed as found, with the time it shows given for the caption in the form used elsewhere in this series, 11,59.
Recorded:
3,59
